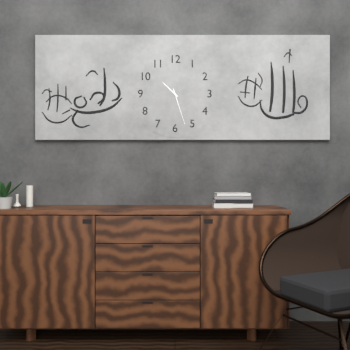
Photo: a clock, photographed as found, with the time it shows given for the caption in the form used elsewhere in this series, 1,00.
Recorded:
10,27
